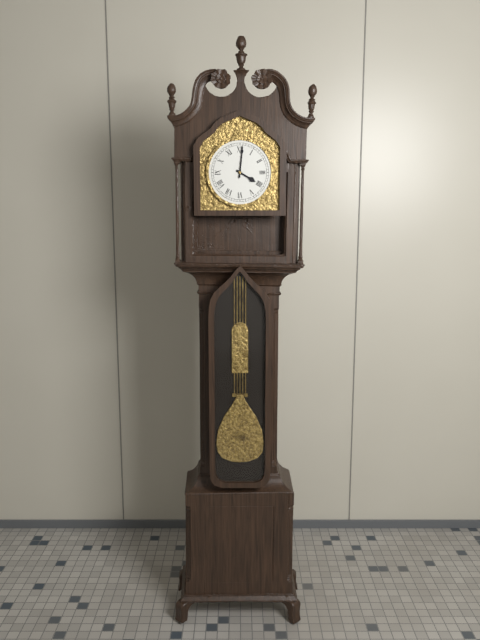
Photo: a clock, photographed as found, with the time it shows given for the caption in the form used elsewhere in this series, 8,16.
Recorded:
4,01
